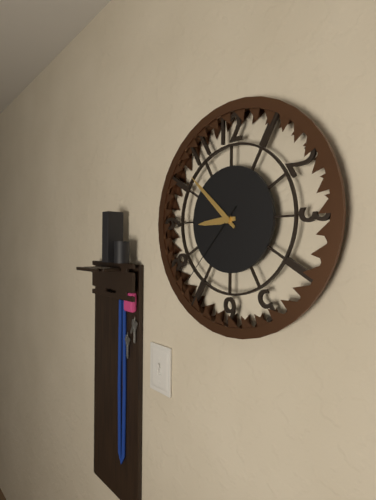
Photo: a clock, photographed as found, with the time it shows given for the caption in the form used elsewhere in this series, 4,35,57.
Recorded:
8,52,37
